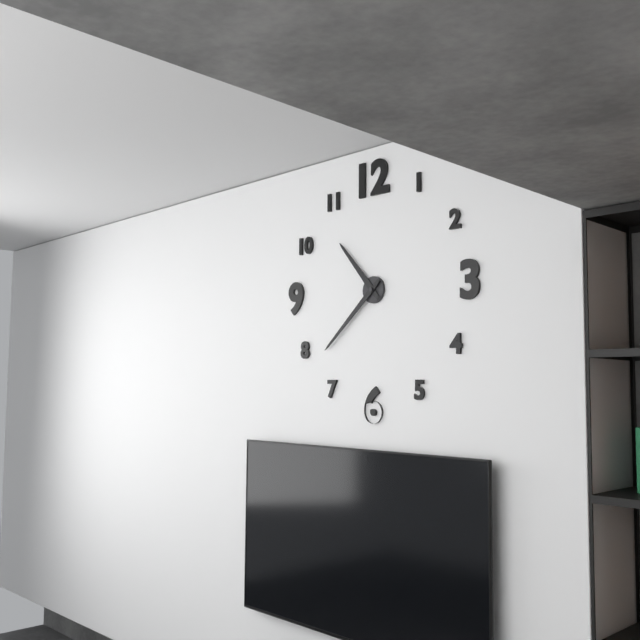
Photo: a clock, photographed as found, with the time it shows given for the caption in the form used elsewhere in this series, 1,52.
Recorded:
10,38
